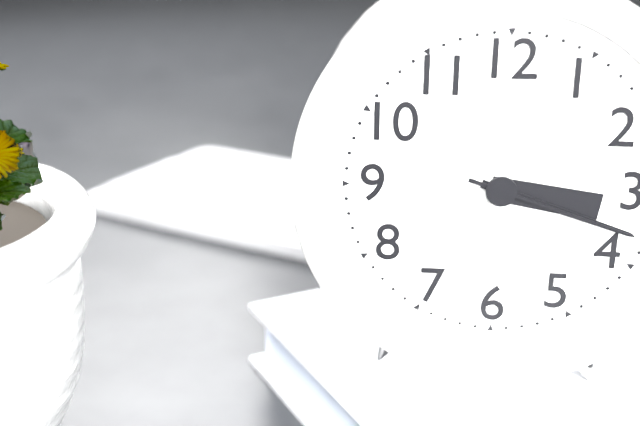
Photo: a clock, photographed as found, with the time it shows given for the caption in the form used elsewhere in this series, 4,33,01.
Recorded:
3,18,18
